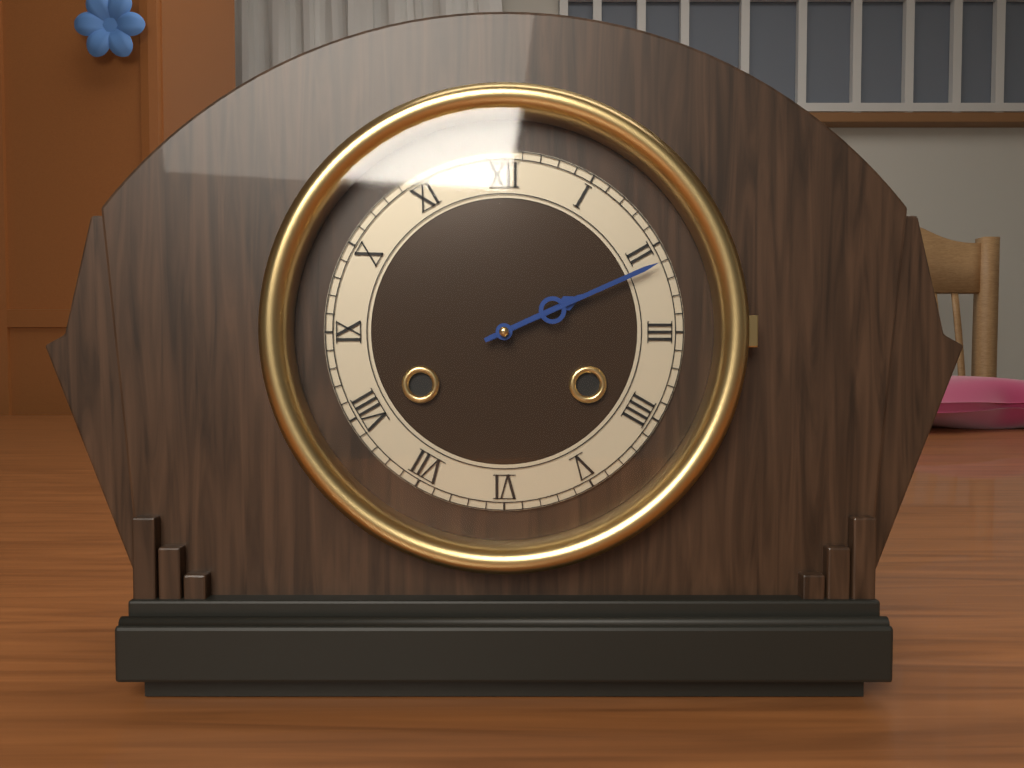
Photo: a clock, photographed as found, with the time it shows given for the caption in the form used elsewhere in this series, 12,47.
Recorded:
2,11
